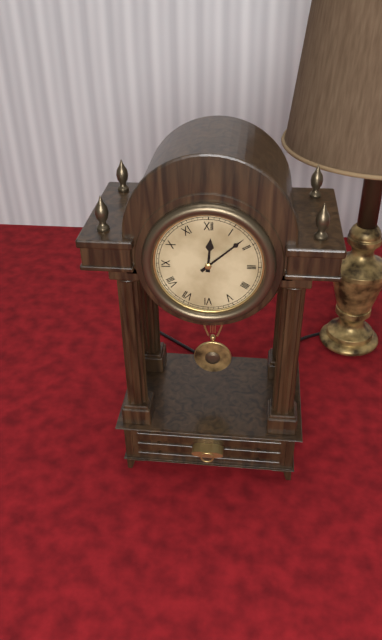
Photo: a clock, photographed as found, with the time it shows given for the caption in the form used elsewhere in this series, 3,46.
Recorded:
12,08
